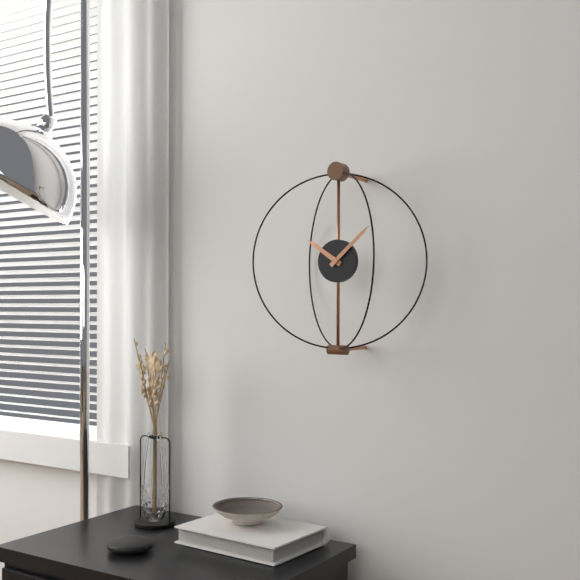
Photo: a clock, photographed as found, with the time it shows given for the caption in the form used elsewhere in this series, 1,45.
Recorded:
10,08
